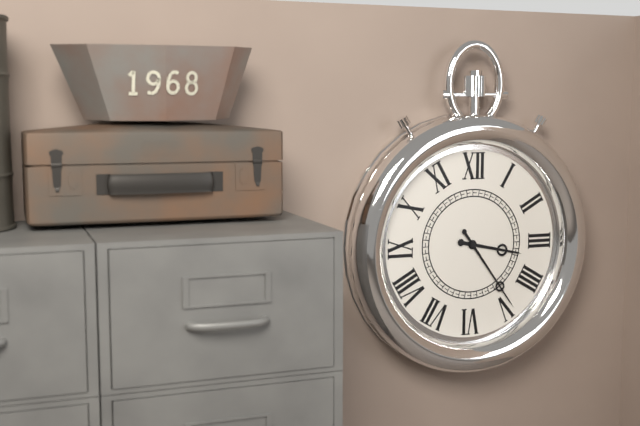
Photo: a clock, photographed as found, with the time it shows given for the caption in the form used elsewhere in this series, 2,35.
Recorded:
3,24
